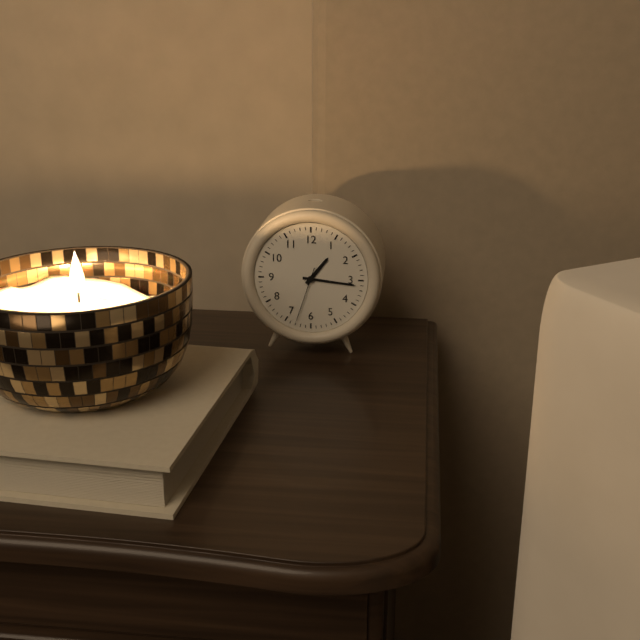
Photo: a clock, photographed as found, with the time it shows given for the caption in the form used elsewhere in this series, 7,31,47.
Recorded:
1,16,33
